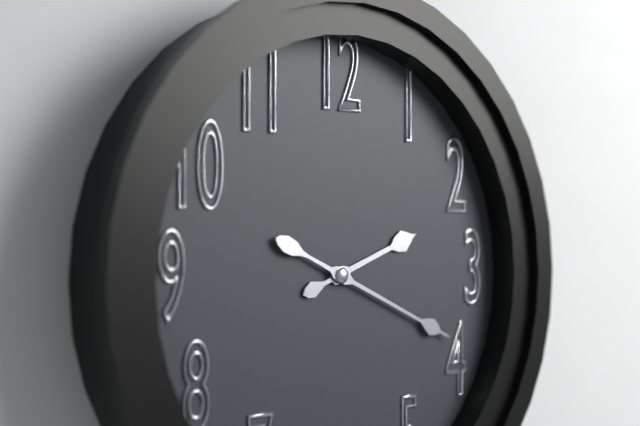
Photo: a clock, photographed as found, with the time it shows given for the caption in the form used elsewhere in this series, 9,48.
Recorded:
2,19
